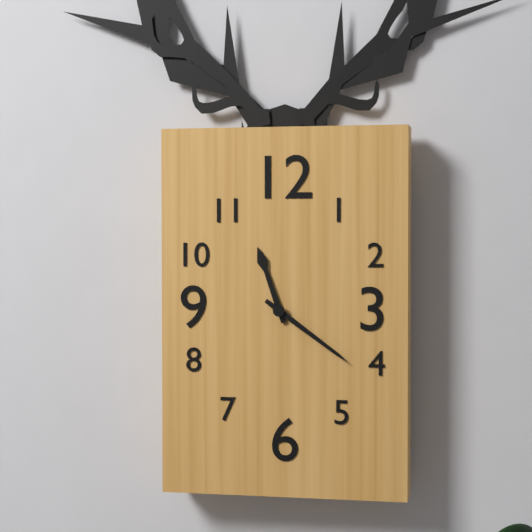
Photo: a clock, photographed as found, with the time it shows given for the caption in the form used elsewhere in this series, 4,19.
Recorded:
11,21
